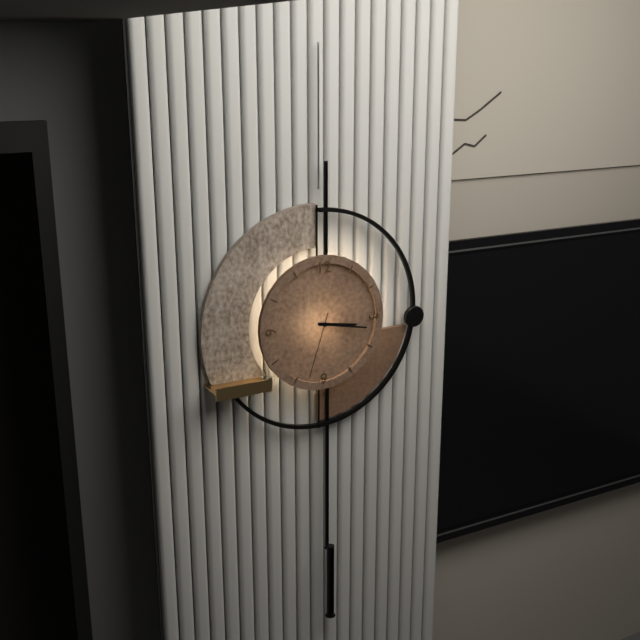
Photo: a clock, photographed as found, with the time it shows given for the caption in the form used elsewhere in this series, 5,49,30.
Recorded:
3,17,33
